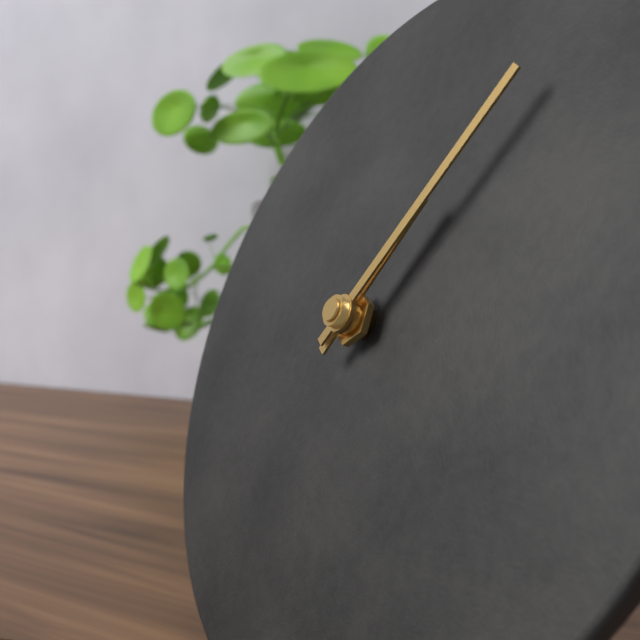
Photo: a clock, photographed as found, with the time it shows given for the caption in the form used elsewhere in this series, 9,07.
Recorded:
1,06
